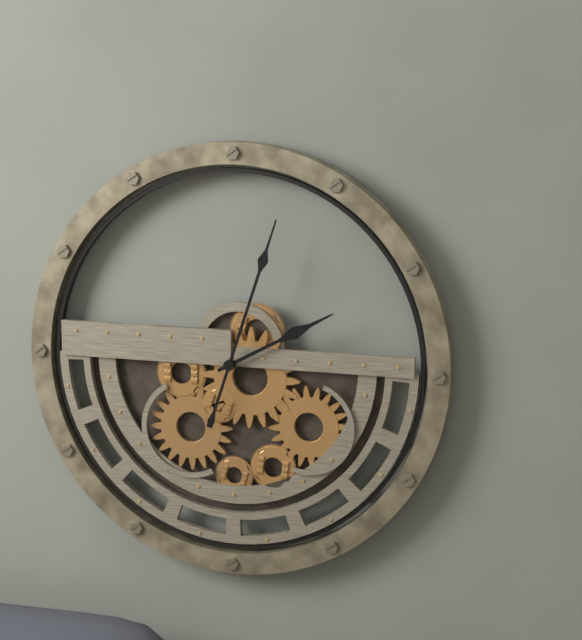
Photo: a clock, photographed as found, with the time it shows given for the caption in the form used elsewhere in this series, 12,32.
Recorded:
2,03
